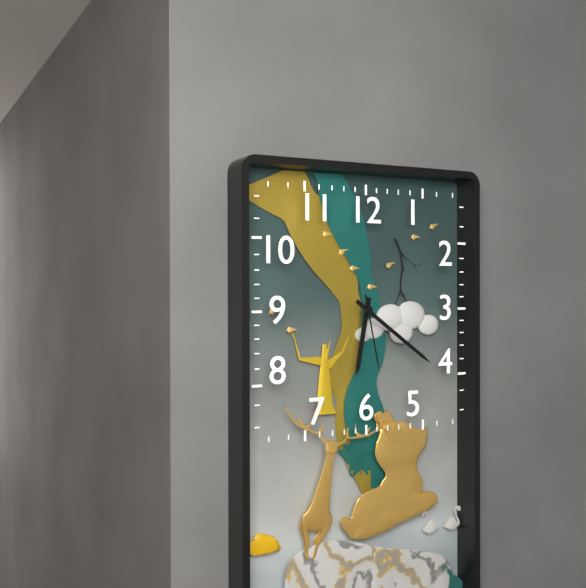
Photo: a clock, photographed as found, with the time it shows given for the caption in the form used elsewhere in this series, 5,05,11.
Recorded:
6,21,28
